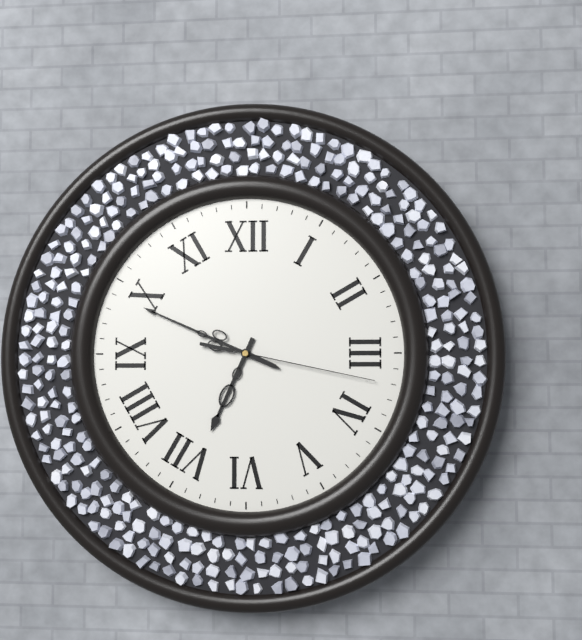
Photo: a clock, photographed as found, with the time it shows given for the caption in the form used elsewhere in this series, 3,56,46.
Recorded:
6,49,17
